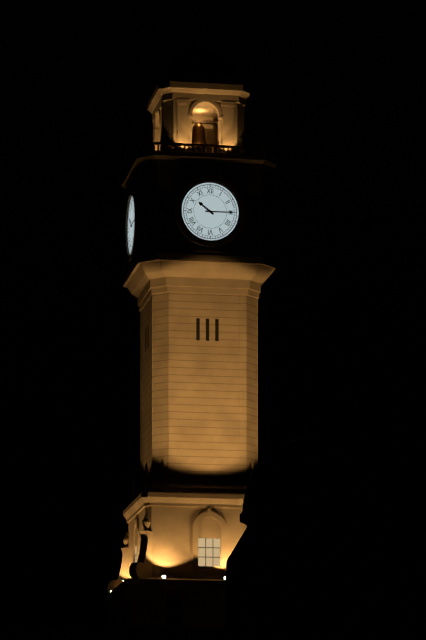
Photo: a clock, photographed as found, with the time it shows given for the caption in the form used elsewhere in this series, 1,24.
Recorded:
10,15
